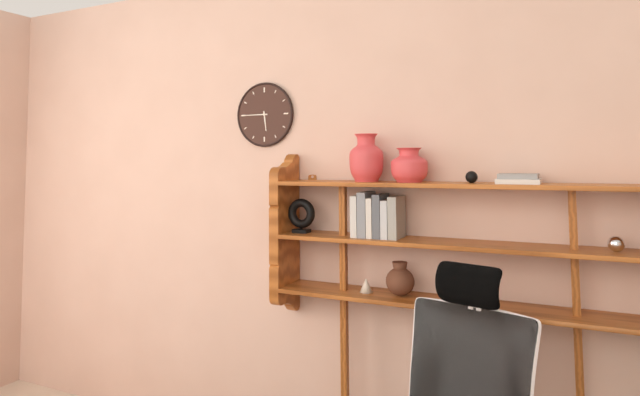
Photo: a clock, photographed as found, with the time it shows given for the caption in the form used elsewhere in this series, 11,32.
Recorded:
5,45
